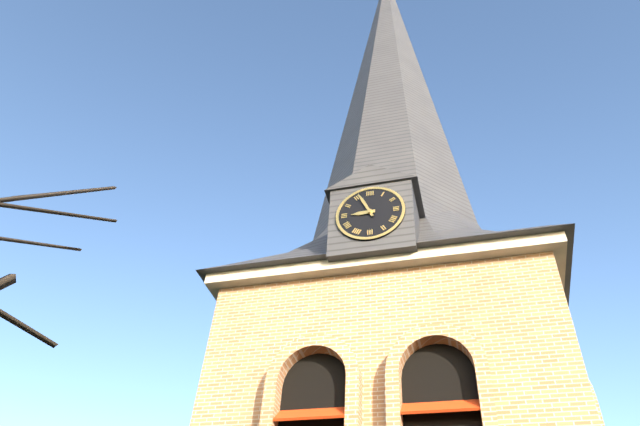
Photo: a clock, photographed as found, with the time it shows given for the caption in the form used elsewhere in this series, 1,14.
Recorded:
8,56
